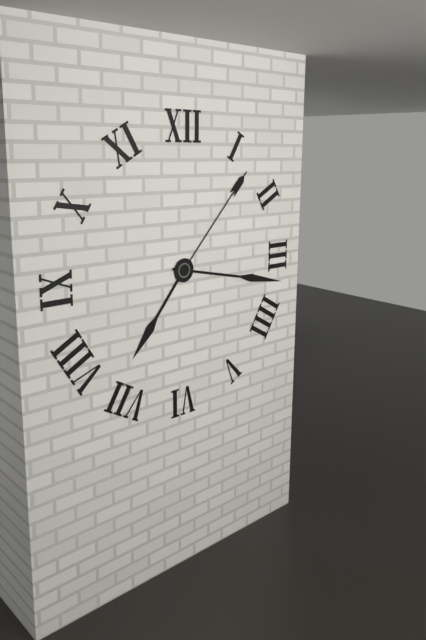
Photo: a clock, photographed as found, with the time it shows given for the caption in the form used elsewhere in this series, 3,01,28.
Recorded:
7,17,07
